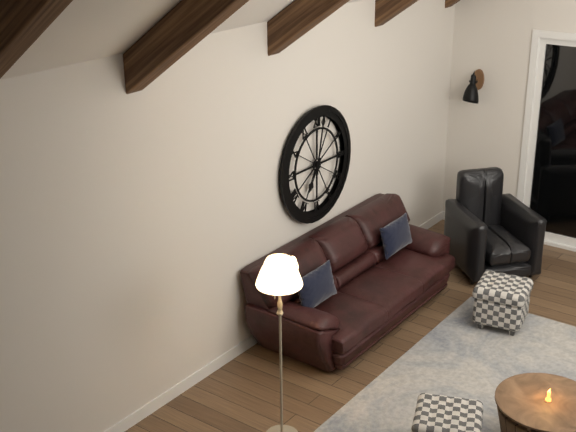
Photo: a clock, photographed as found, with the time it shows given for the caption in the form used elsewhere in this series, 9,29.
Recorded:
7,02
